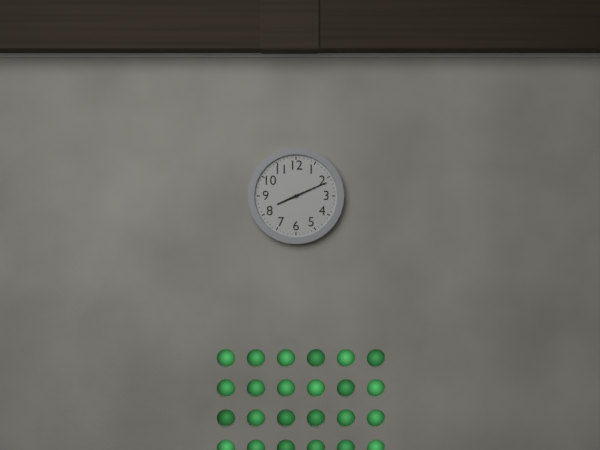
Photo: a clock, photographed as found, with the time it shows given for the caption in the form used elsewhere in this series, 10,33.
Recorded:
8,11
